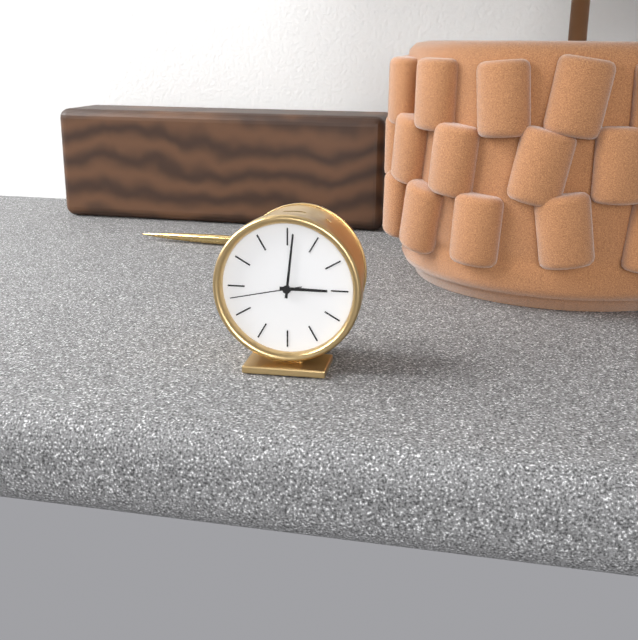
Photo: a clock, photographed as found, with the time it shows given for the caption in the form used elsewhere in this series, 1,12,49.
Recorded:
3,01,43
